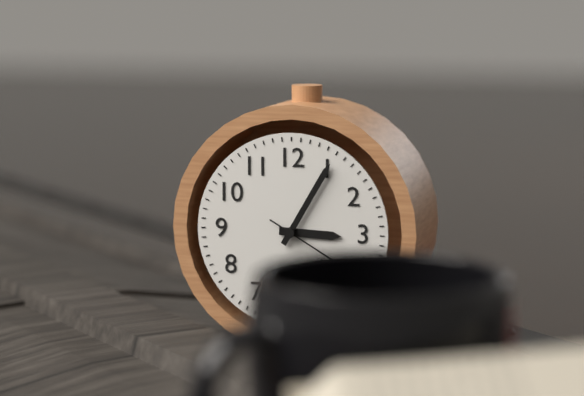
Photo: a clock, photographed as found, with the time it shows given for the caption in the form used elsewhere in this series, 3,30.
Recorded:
3,05
